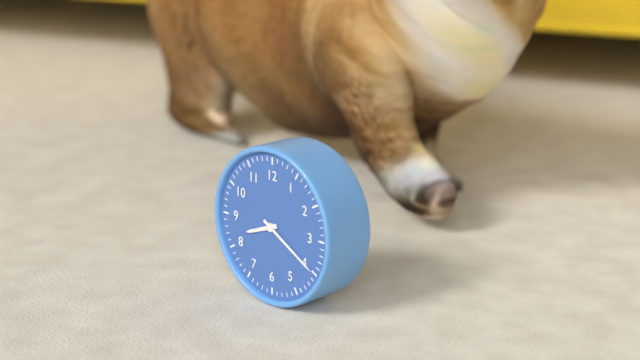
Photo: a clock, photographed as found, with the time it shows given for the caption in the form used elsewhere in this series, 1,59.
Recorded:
8,20
